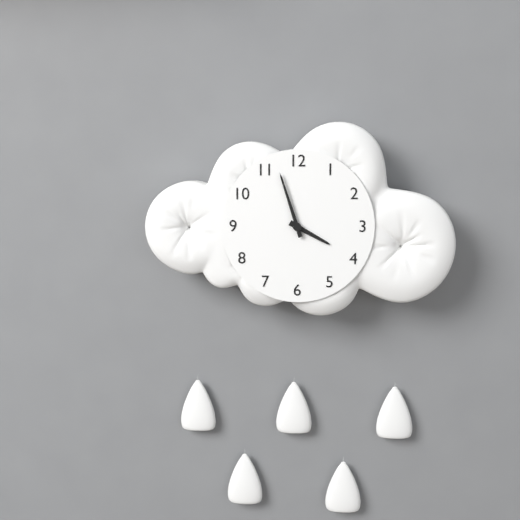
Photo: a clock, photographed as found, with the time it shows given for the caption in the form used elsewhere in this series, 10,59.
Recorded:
3,57
